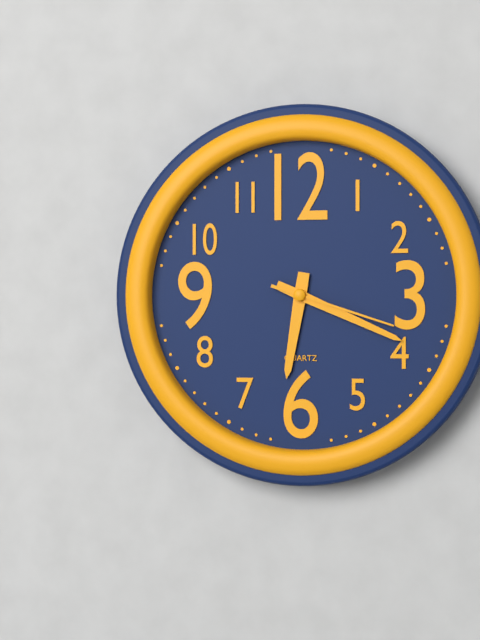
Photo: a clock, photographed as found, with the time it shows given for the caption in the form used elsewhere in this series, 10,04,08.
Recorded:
6,19,18
